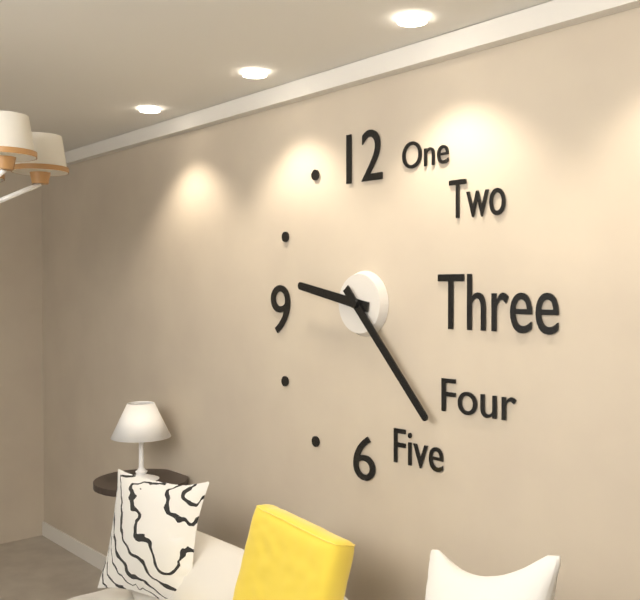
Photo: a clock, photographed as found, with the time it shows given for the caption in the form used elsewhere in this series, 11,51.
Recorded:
9,23
